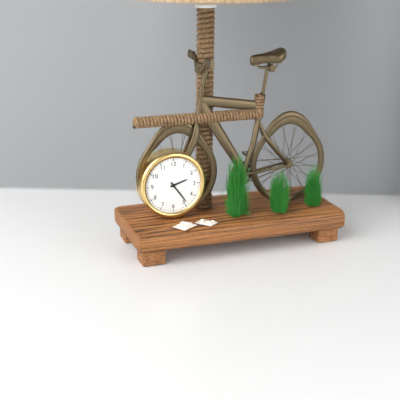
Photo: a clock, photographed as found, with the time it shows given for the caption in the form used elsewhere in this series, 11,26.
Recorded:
2,24
